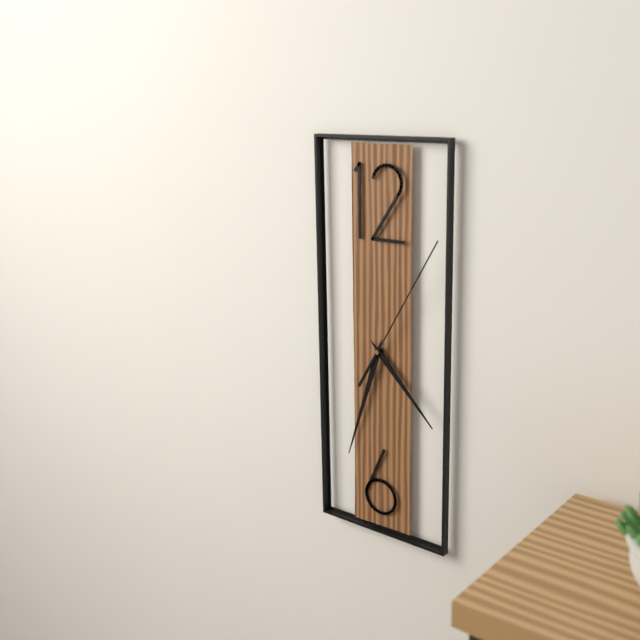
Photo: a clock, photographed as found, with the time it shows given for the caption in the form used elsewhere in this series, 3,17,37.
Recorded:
4,33,05
